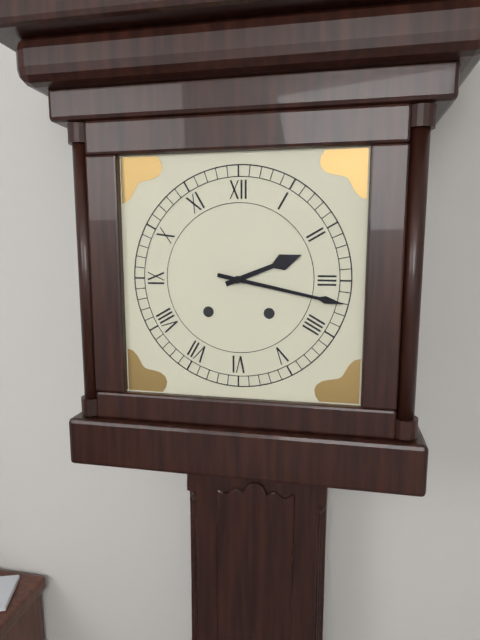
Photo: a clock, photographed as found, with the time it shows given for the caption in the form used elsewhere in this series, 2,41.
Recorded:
2,17
